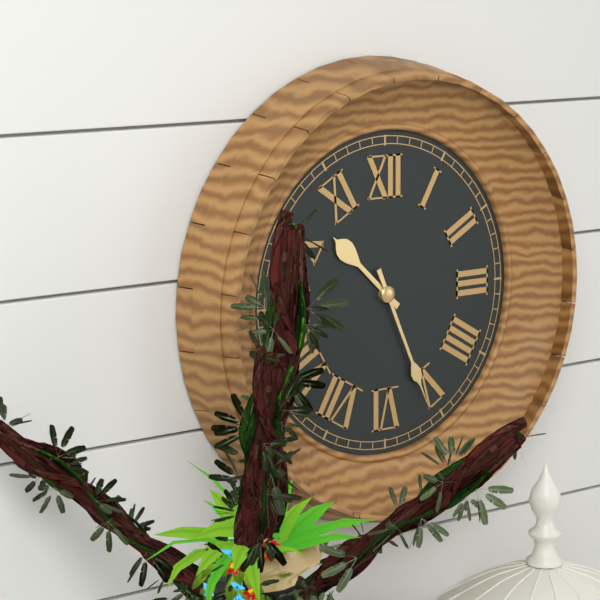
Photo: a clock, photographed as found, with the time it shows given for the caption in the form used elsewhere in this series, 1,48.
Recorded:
10,26
